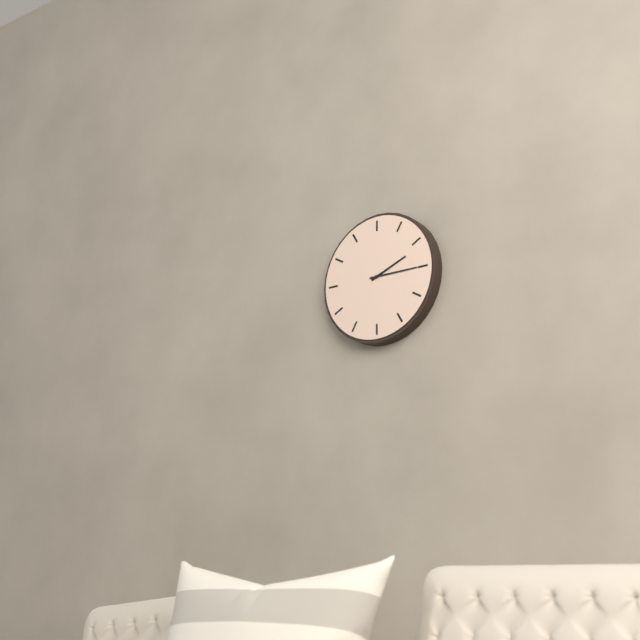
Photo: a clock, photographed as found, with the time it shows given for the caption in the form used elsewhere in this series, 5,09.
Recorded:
2,15
